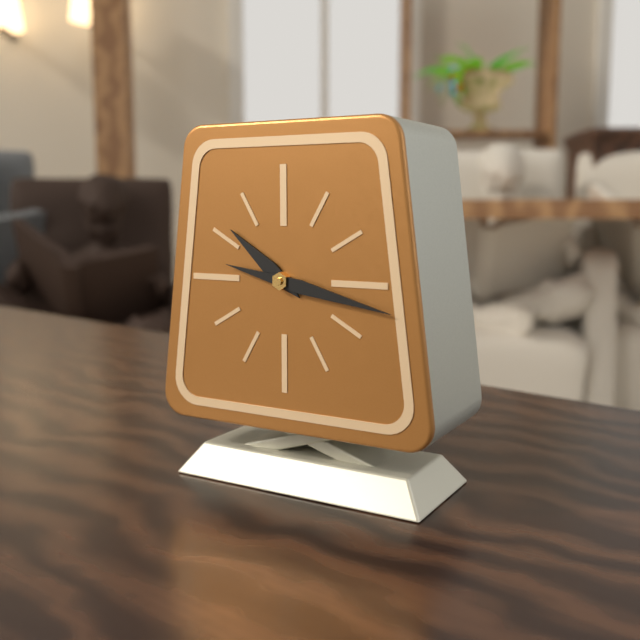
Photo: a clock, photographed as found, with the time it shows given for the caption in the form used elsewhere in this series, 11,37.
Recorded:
10,17
